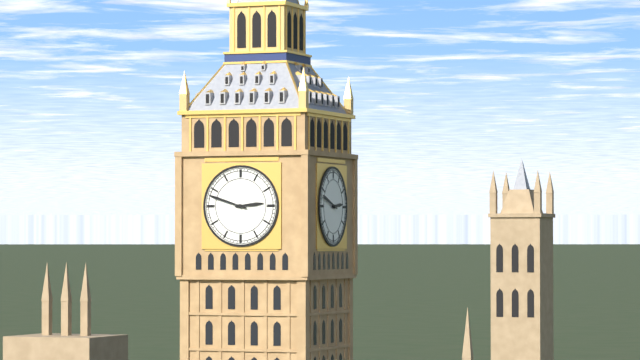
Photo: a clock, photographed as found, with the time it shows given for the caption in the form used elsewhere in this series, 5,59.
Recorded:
2,48
